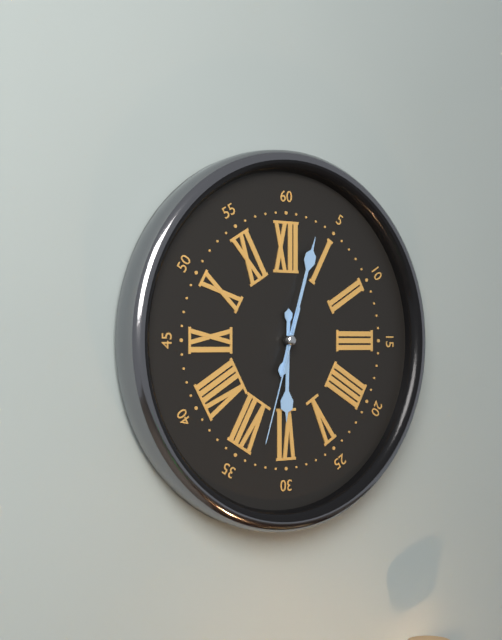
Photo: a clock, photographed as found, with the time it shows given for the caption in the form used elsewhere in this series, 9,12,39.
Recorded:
6,03,33
